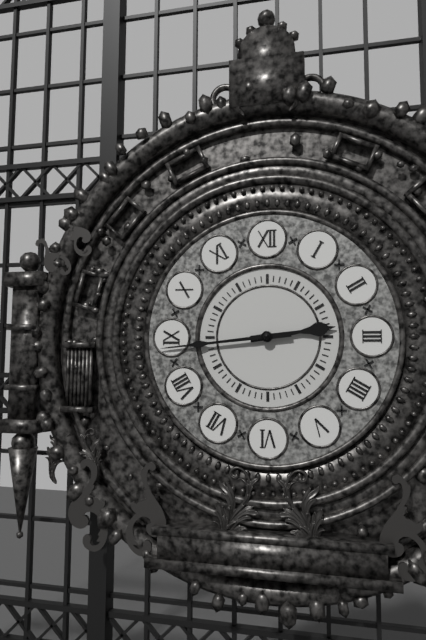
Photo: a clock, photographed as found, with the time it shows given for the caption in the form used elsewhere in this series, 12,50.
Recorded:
2,44
